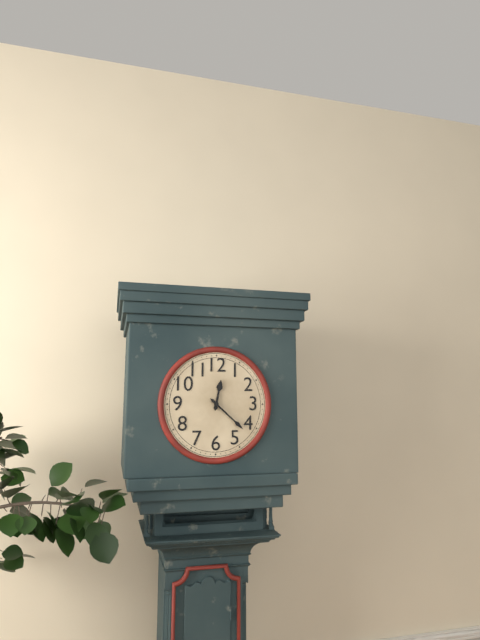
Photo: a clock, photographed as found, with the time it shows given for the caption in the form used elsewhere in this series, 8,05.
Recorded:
12,22
